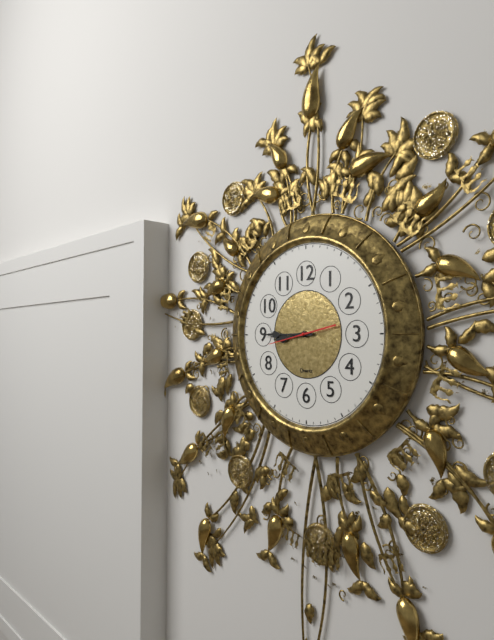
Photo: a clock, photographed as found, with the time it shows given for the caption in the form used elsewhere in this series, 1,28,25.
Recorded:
8,45,43
